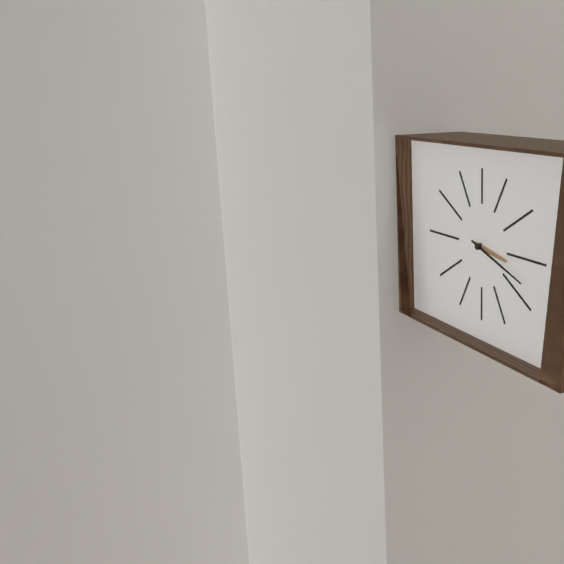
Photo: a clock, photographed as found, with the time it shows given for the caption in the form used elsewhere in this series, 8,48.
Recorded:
3,18
